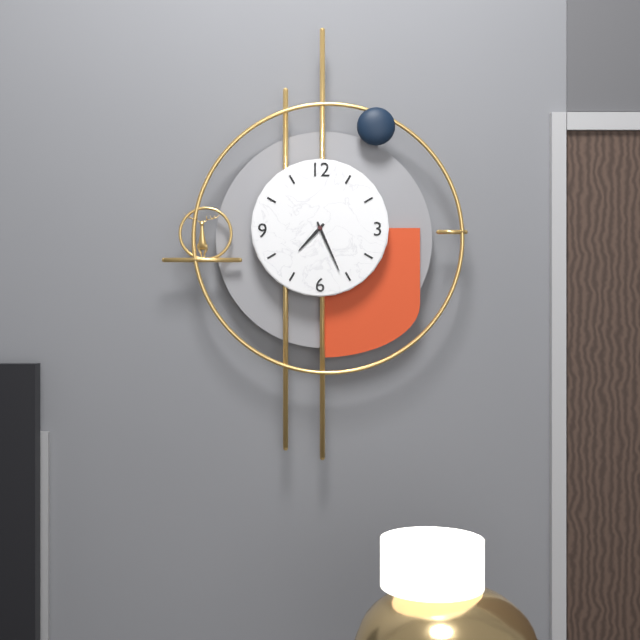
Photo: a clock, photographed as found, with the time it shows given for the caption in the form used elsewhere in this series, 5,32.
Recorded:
7,26
